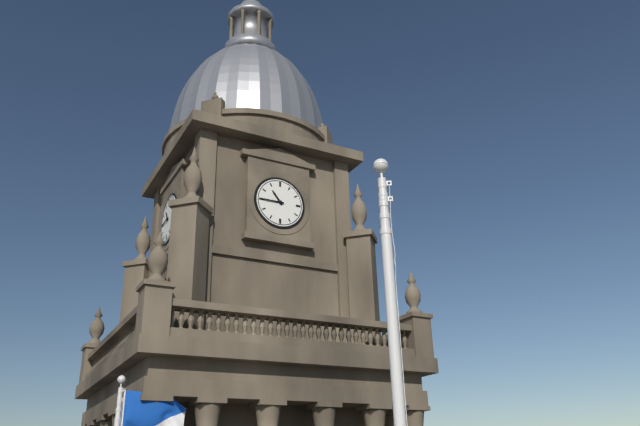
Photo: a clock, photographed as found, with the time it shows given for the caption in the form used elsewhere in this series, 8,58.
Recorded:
10,45
